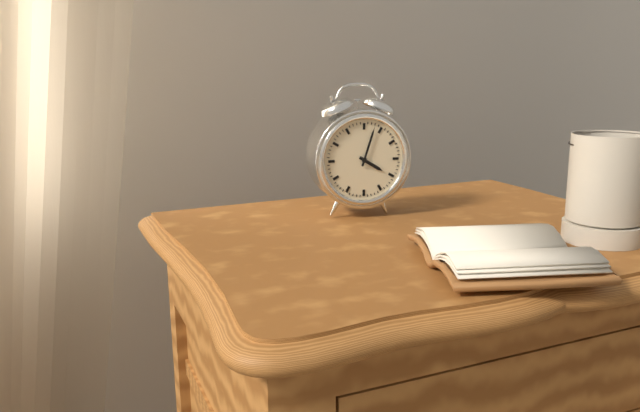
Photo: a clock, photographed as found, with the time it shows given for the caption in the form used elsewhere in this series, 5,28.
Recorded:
4,03
